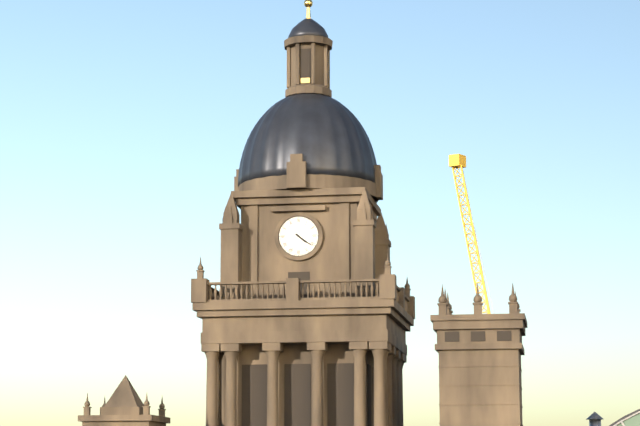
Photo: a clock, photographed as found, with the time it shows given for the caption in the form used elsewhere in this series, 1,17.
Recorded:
4,21
